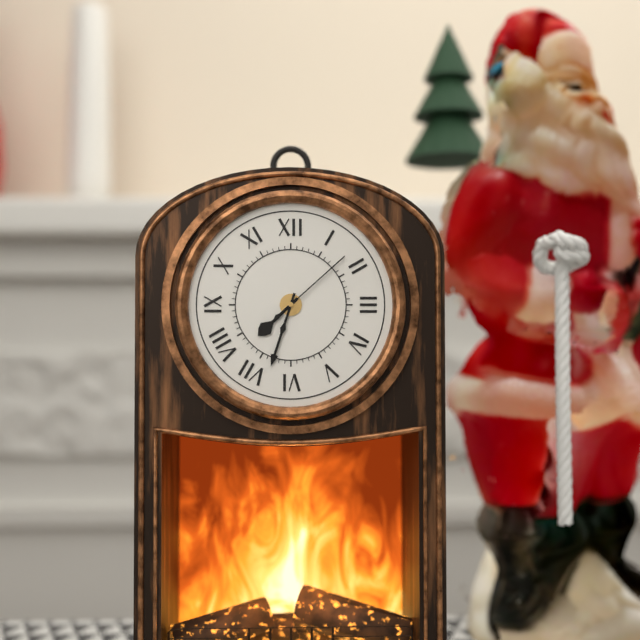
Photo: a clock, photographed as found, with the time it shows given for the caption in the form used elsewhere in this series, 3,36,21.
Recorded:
7,33,08
